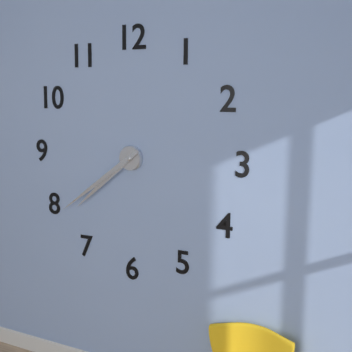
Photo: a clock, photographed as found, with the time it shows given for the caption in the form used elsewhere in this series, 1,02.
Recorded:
7,39
